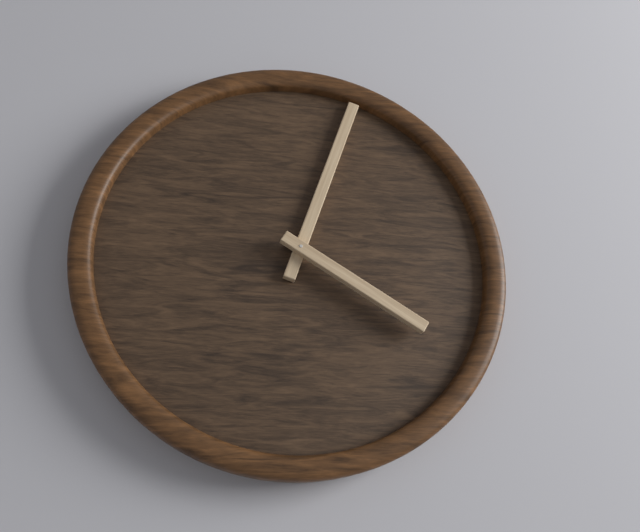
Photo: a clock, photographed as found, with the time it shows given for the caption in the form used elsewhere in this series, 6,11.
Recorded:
4,03
